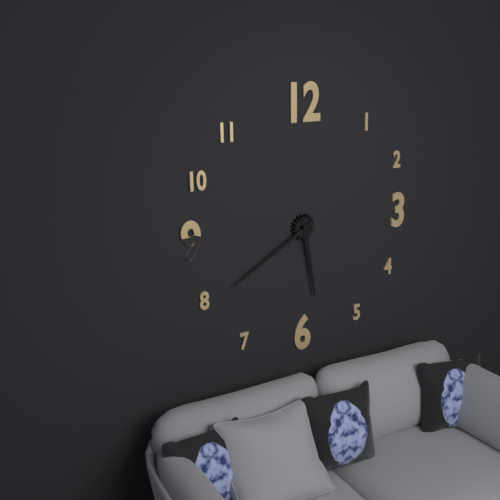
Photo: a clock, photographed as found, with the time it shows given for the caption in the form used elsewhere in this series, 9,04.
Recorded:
5,40
